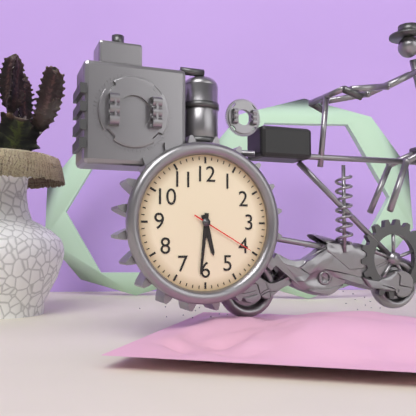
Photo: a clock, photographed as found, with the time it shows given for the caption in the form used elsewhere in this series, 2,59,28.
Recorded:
5,31,20
